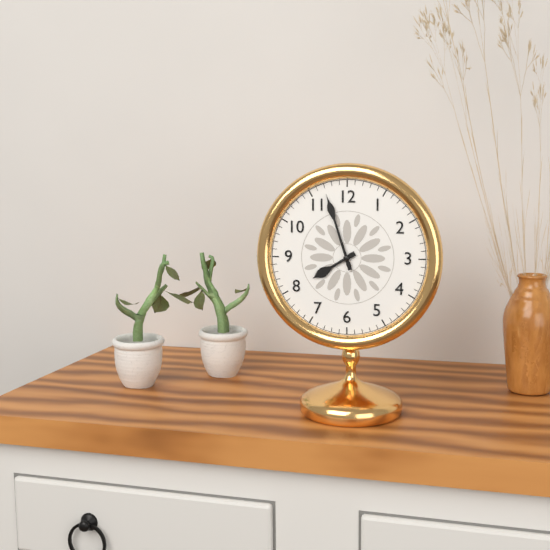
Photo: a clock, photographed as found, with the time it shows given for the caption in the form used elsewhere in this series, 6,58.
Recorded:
7,57
